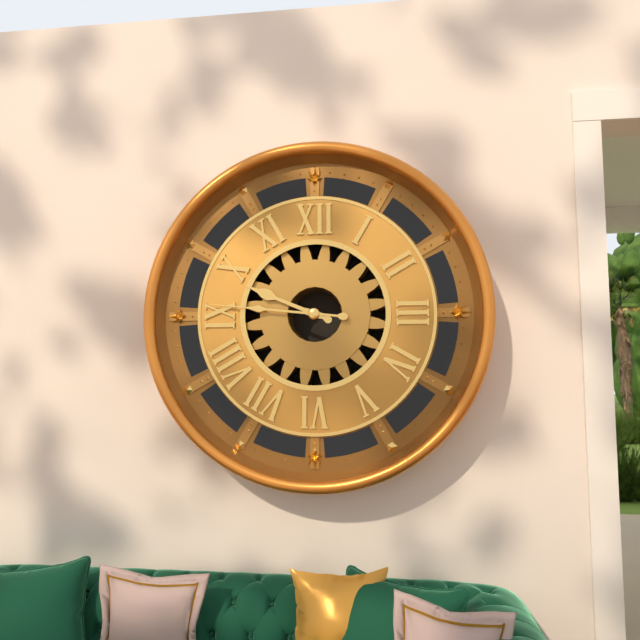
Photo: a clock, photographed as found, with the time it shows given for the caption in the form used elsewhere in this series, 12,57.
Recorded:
9,46
